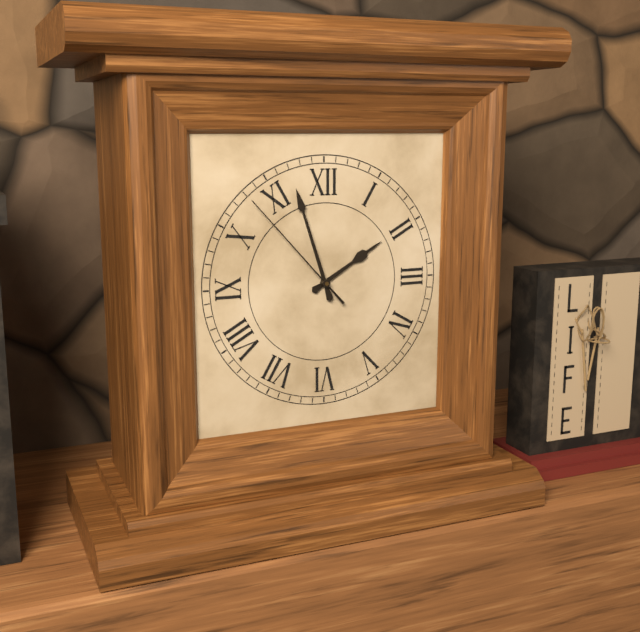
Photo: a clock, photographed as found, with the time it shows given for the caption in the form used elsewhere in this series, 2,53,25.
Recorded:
1,57,53
